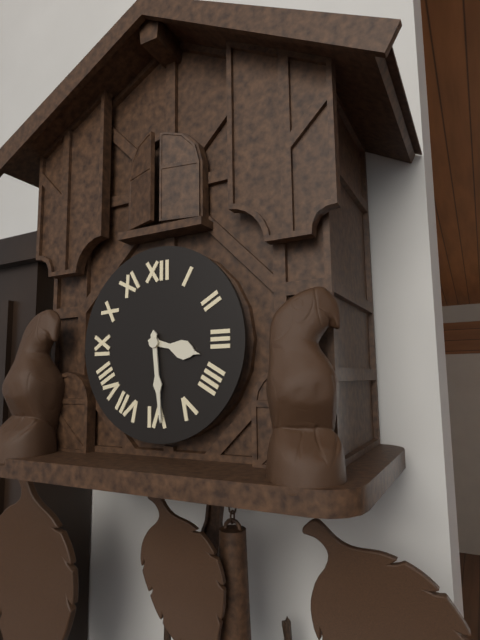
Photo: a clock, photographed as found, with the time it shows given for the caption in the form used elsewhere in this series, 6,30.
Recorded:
3,29
